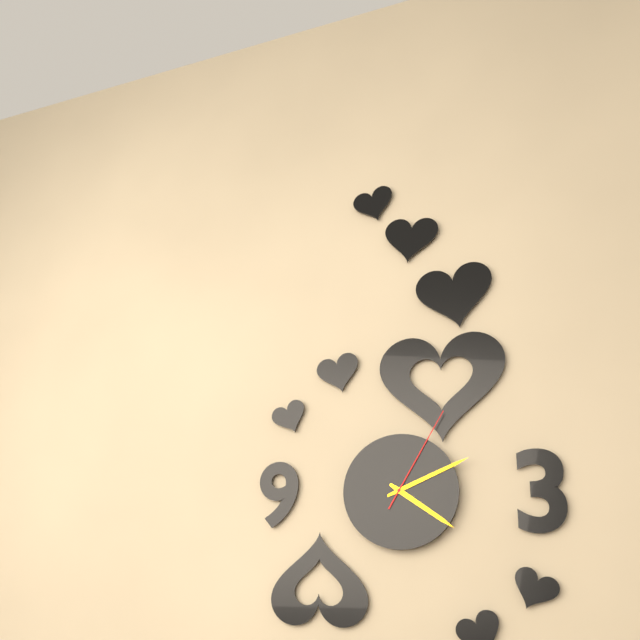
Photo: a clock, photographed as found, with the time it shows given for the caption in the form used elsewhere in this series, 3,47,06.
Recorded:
4,11,05
